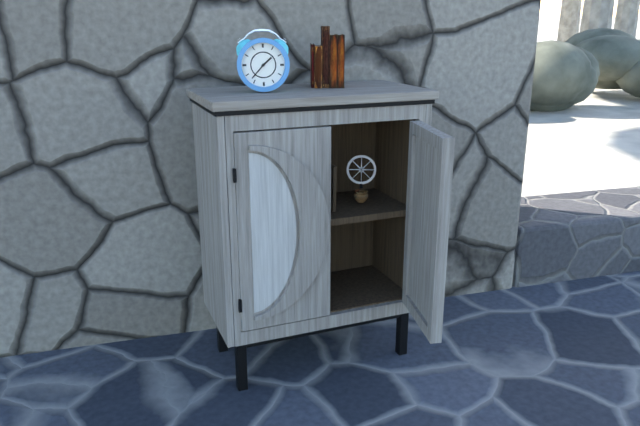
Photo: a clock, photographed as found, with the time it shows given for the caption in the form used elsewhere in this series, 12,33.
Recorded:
1,37
